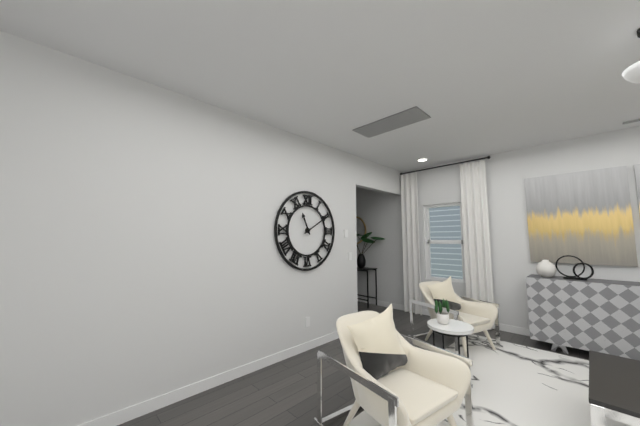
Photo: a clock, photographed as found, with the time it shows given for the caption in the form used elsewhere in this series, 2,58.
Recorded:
11,10
